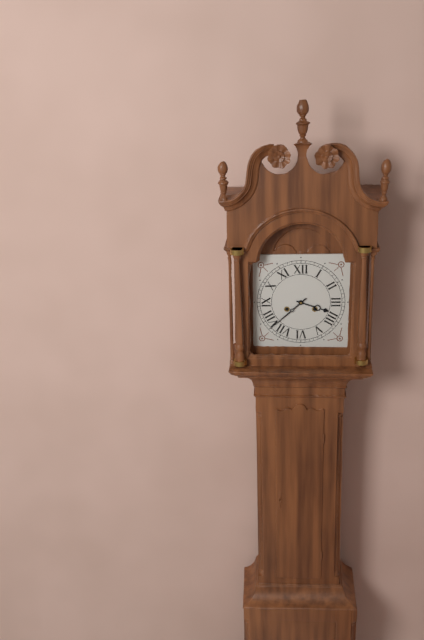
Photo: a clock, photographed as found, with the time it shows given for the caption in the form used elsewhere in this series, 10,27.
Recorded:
3,38
